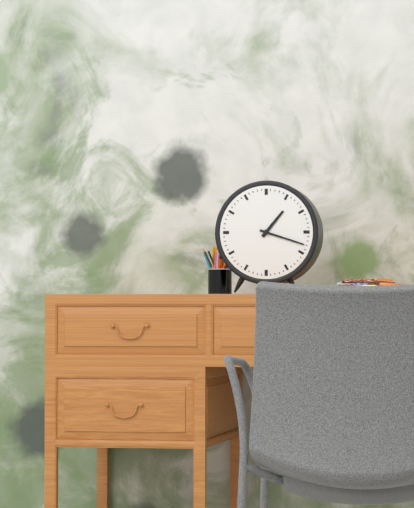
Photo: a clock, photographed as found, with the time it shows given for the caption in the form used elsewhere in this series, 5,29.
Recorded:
1,18
